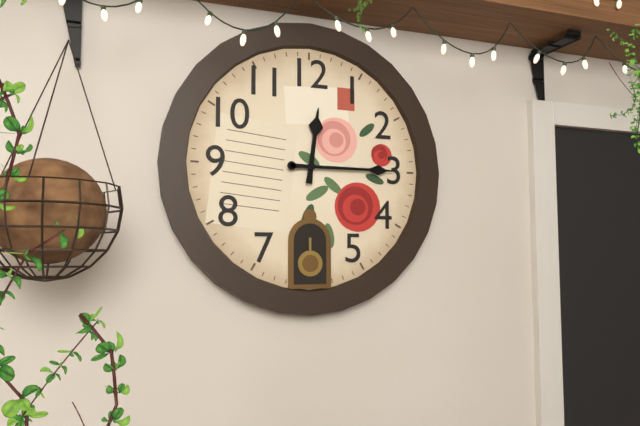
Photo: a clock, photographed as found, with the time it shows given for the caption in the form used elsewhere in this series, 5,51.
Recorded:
12,15
